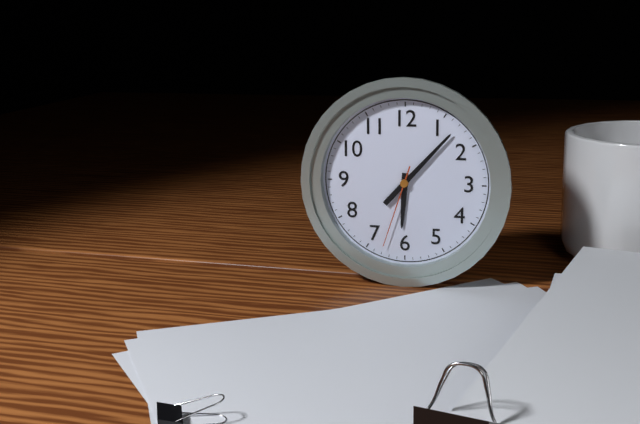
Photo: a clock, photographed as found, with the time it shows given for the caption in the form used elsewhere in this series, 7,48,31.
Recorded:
6,07,33
